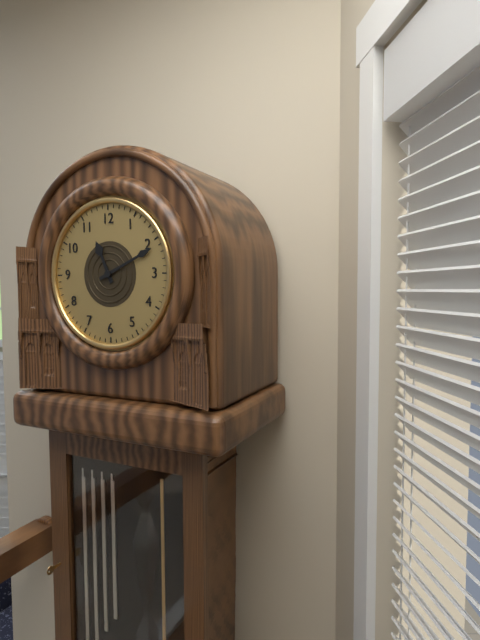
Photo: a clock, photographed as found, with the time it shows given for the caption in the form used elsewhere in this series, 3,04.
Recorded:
11,11
